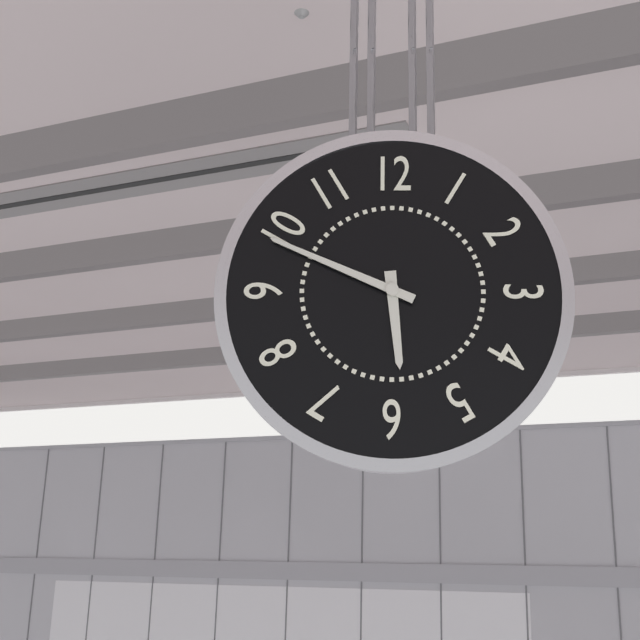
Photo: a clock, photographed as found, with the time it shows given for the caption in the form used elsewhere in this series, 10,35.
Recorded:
5,49
